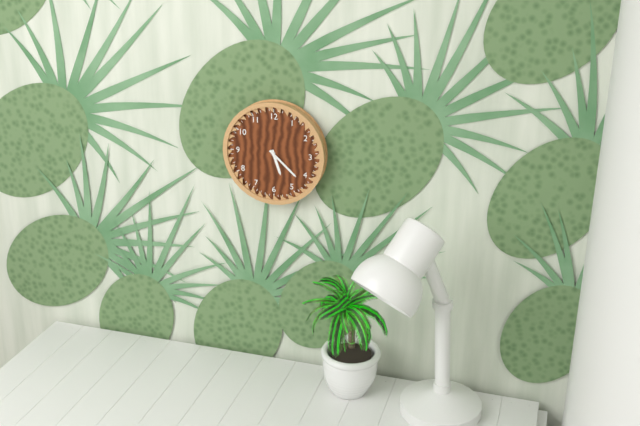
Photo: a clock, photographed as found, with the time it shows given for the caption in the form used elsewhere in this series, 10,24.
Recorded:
5,22
